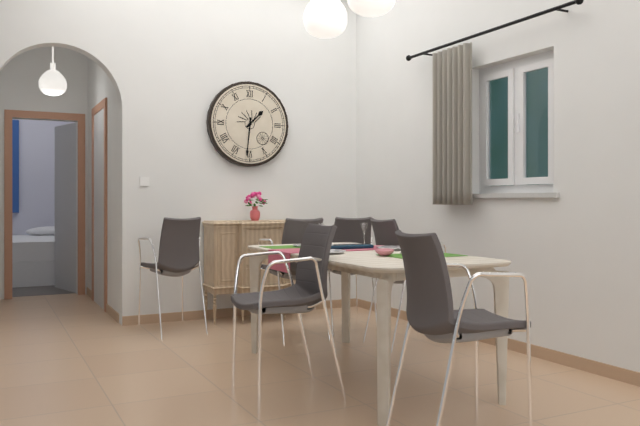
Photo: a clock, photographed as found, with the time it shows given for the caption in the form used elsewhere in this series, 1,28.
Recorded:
1,31
